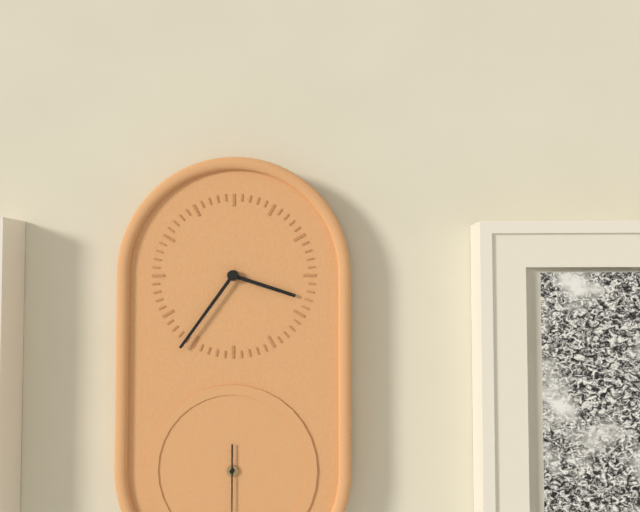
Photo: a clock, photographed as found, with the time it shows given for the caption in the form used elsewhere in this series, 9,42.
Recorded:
3,36
